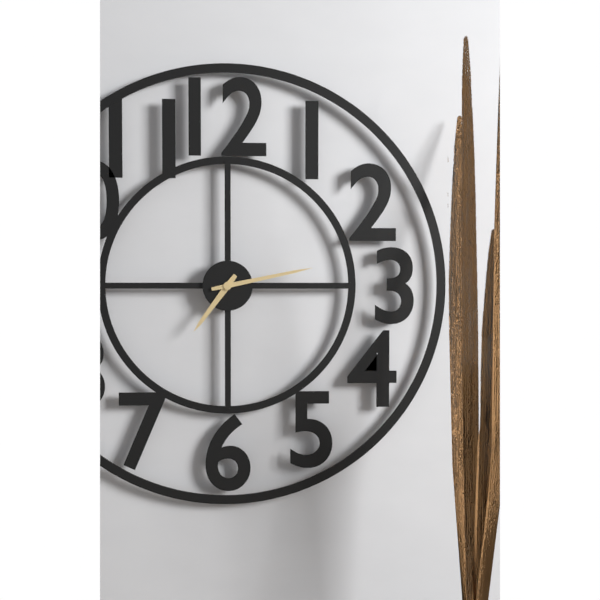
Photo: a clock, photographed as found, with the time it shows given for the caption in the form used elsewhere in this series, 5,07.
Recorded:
7,13
